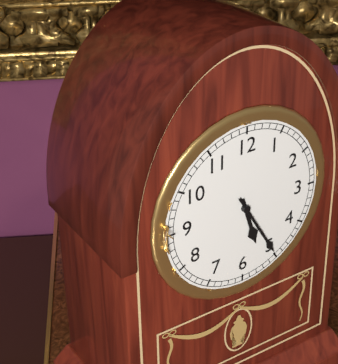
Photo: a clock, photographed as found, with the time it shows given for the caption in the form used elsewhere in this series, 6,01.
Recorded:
5,25
